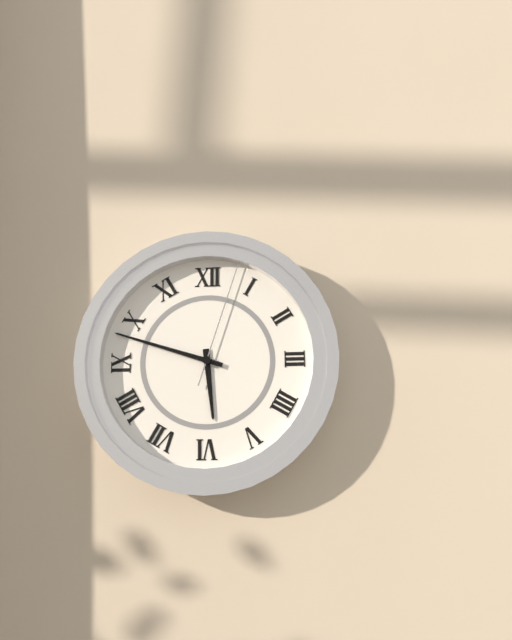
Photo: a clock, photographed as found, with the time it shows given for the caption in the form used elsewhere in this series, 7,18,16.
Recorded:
5,48,03
